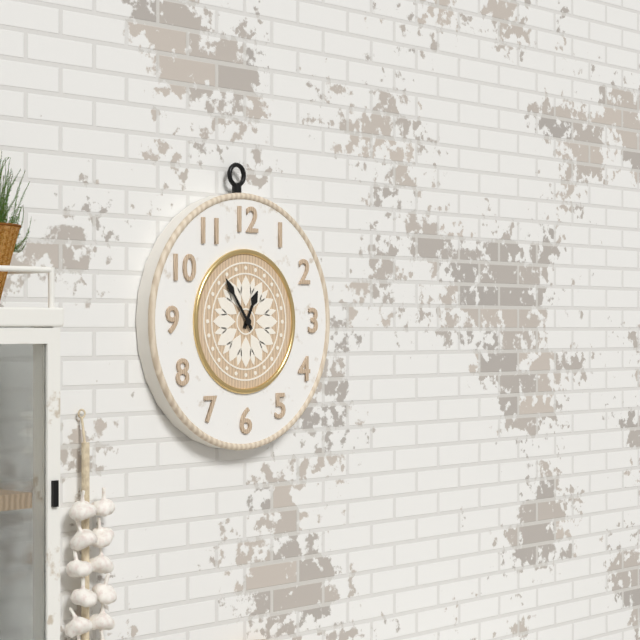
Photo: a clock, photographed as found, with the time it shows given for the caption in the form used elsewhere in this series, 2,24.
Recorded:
12,54
